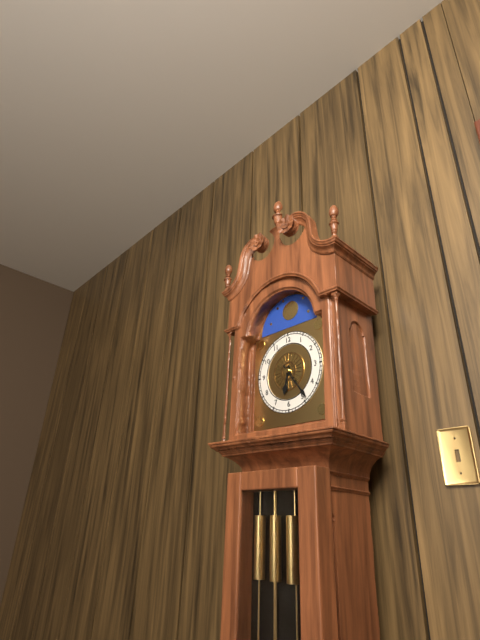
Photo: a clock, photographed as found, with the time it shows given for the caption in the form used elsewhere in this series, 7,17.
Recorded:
6,24
